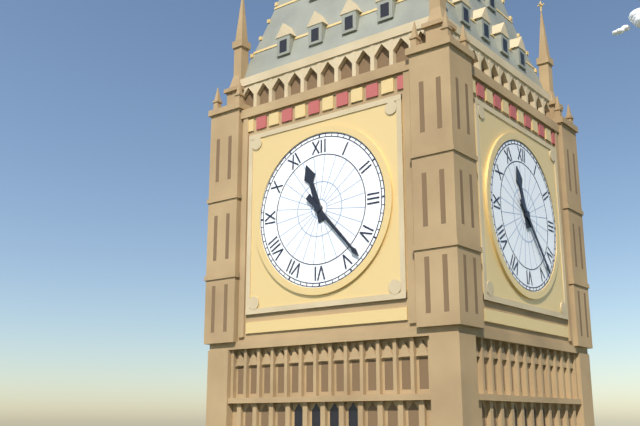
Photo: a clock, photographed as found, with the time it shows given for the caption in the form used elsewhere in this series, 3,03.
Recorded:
11,23
